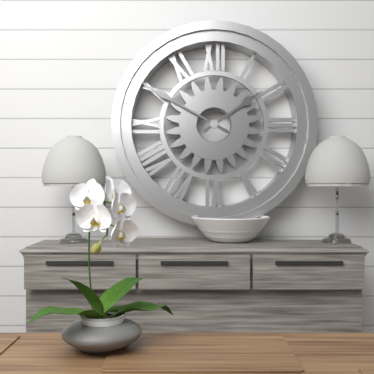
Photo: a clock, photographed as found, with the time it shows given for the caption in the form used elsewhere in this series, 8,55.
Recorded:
1,50
